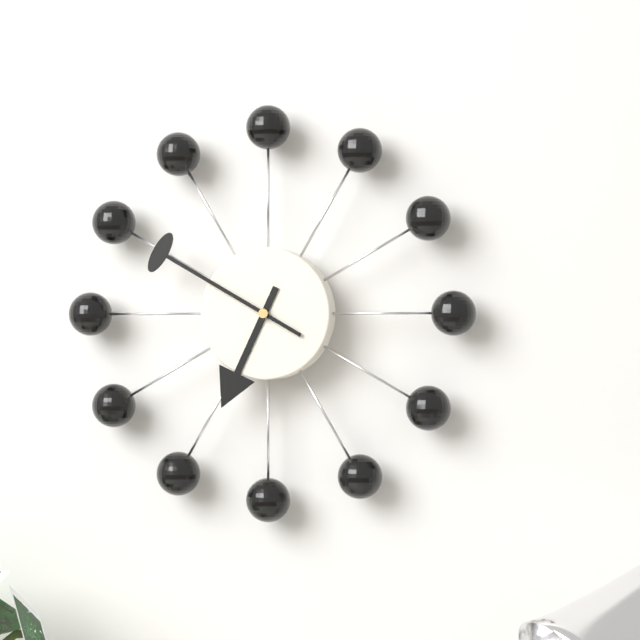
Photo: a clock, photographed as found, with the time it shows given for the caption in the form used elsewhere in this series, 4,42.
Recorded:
6,50
